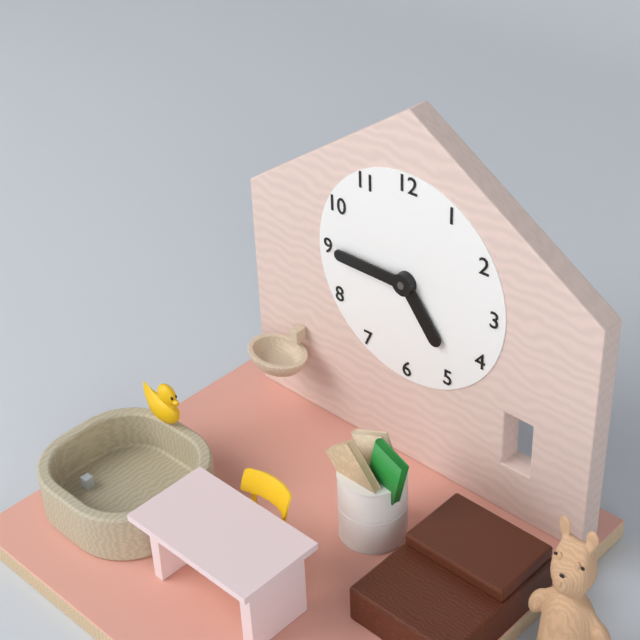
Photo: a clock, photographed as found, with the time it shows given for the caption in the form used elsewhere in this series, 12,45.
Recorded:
4,45
